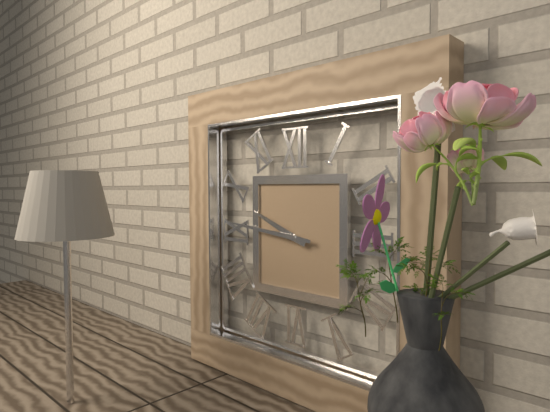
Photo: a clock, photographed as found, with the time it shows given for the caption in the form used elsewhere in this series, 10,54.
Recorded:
9,46
